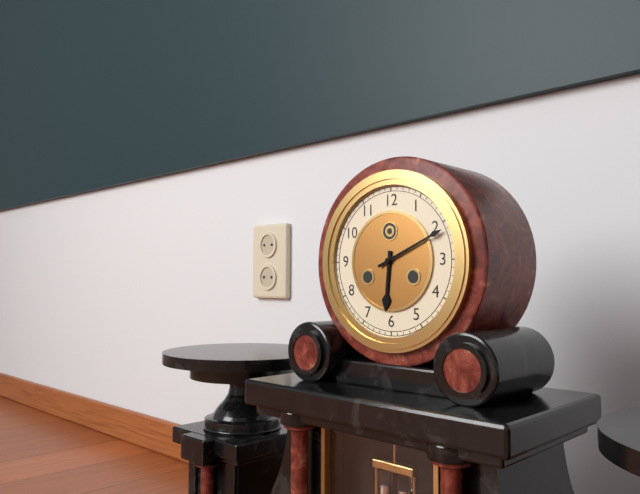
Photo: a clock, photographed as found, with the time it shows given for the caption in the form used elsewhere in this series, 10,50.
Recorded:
6,11
